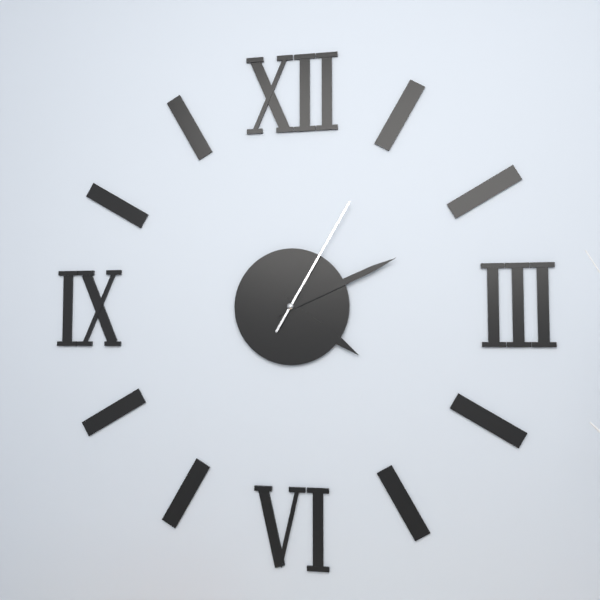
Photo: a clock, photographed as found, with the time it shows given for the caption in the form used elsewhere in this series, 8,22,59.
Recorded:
4,11,05
